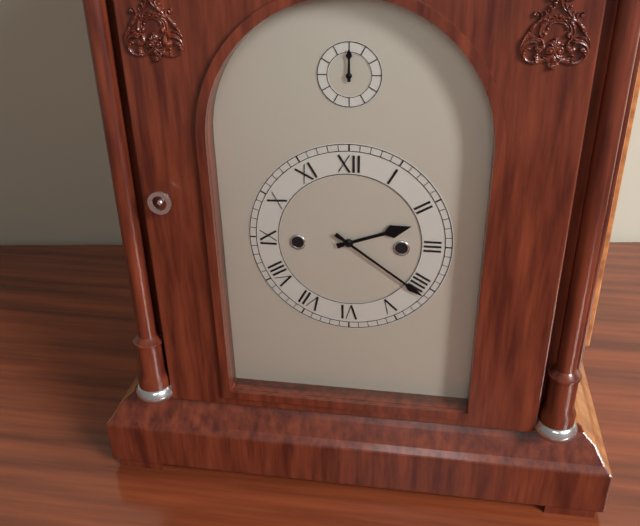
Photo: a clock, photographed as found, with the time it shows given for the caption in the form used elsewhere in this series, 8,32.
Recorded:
2,21
